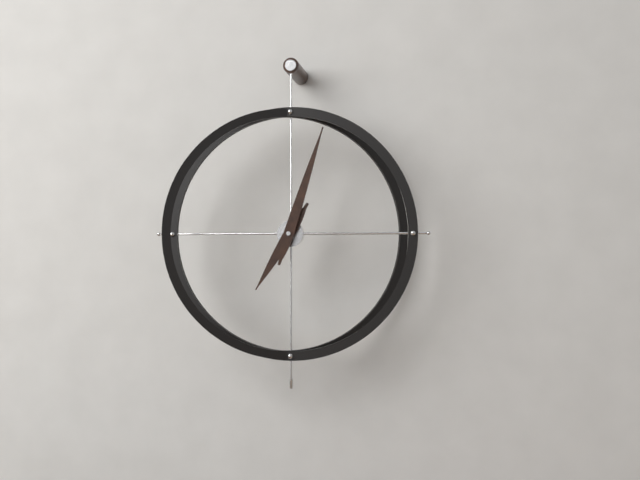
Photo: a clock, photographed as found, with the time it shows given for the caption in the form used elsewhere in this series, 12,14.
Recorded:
7,03
